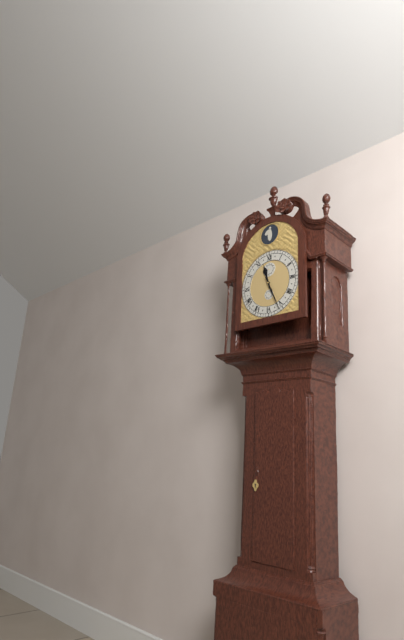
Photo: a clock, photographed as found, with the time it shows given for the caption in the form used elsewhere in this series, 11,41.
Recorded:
11,26
